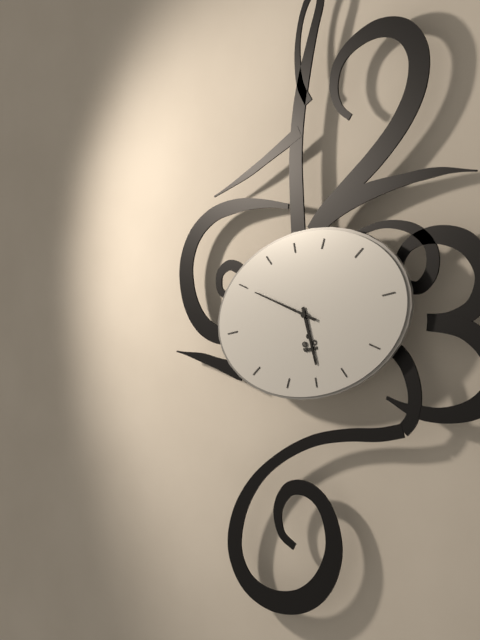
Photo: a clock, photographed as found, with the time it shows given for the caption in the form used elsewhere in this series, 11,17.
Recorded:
5,50
